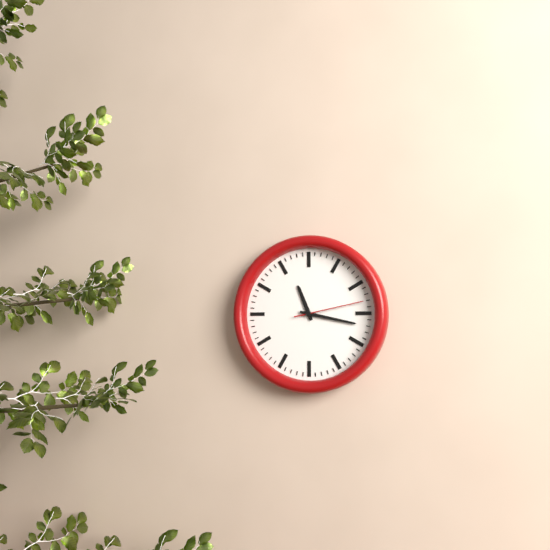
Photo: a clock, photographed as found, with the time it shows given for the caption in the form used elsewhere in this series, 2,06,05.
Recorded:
11,17,13
